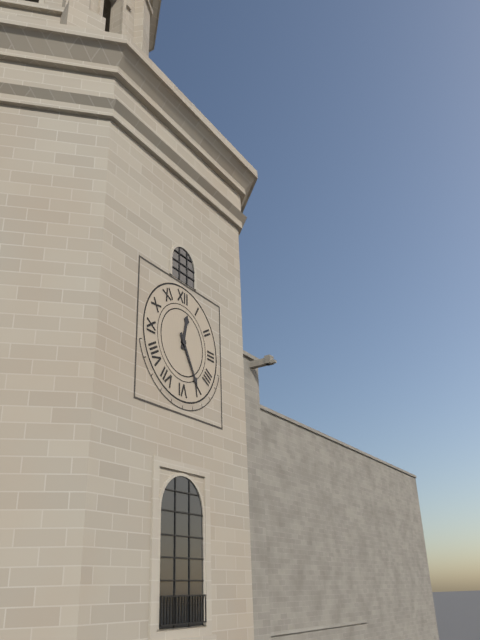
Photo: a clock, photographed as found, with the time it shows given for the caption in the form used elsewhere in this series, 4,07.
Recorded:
12,25
